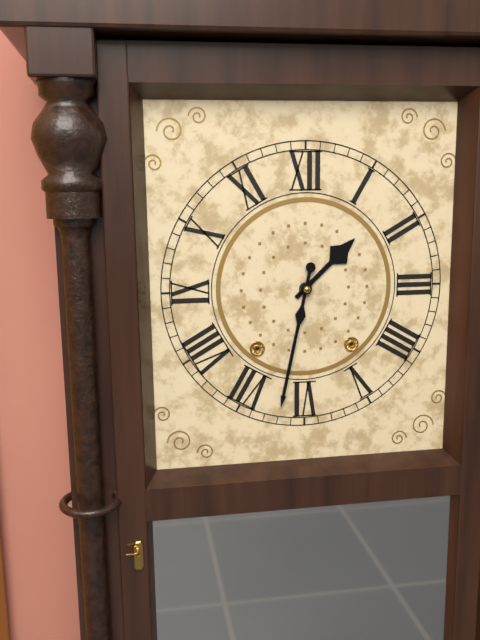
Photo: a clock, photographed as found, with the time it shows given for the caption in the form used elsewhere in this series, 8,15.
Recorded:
1,32
